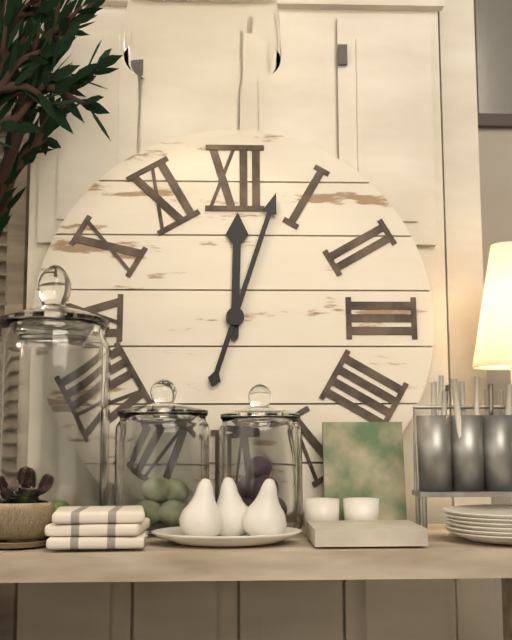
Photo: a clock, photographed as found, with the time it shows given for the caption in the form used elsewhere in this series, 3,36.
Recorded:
12,03
